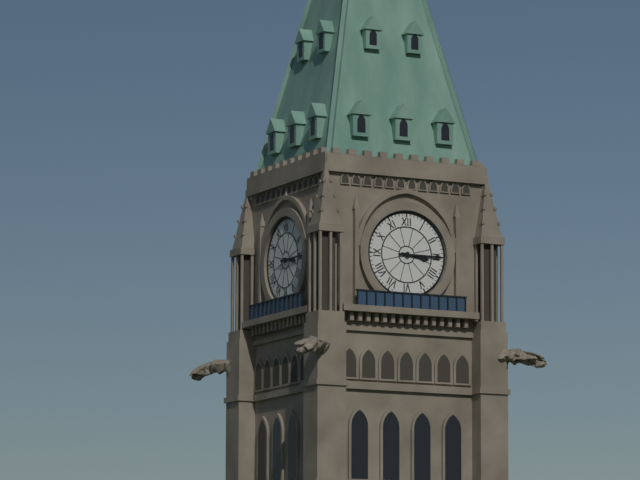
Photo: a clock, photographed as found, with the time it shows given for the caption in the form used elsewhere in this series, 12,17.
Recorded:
3,15
